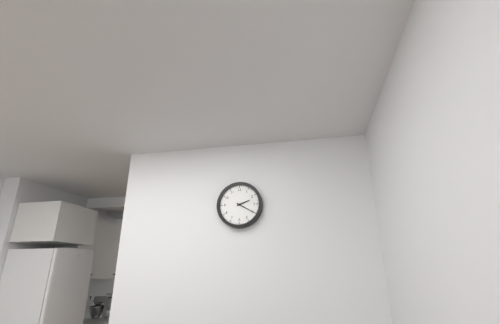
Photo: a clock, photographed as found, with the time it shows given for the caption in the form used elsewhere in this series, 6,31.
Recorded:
2,20
